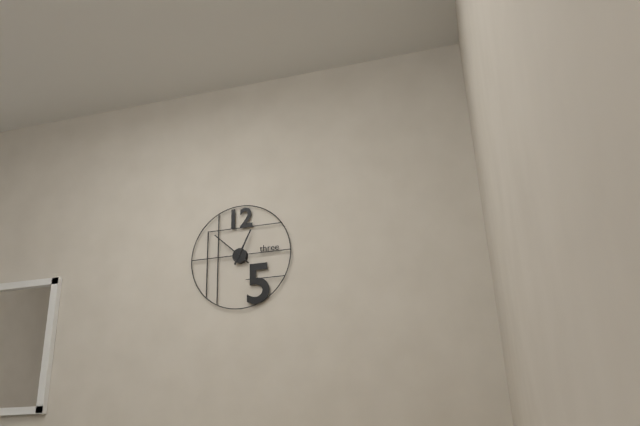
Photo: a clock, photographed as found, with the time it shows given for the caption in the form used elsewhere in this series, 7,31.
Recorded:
12,52
